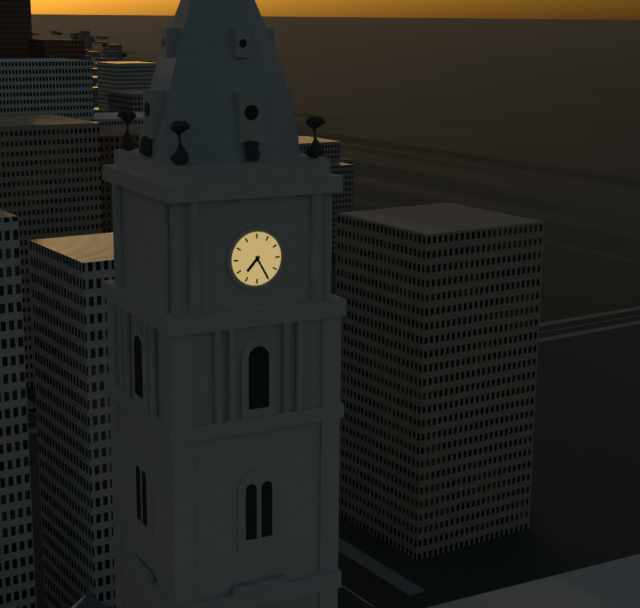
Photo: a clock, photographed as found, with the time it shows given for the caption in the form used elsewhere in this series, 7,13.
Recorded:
7,25
